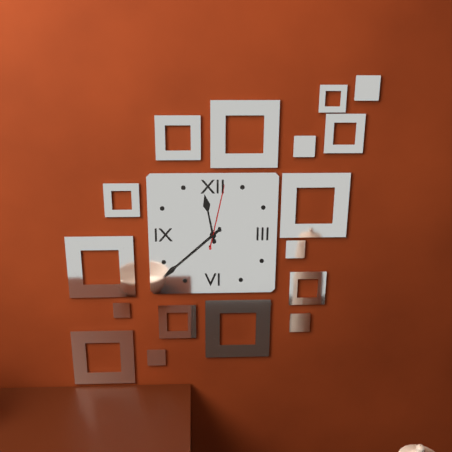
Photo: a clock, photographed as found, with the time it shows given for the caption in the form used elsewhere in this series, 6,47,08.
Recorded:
11,38,02
